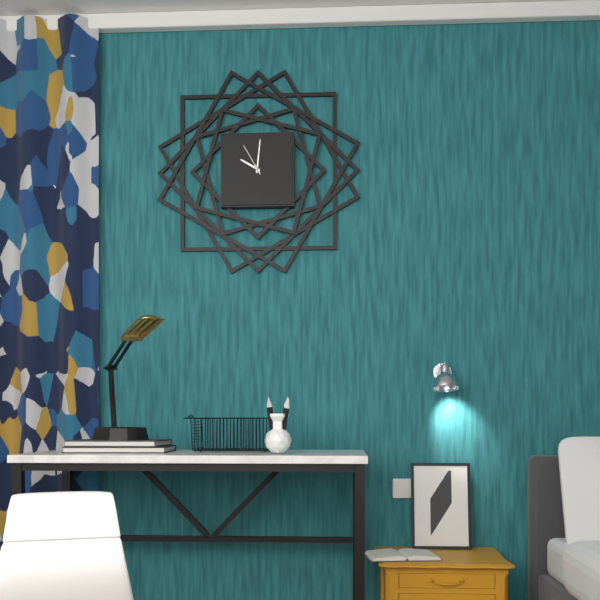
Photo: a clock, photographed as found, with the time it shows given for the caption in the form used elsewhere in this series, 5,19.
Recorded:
10,01
